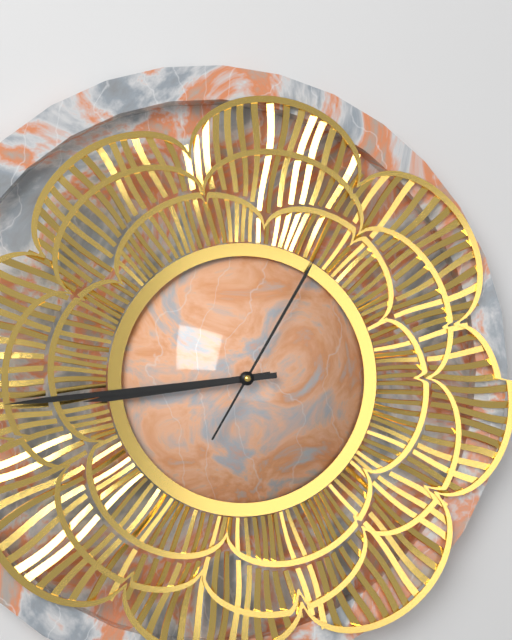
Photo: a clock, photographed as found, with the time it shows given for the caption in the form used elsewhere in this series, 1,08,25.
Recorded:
8,44,05
